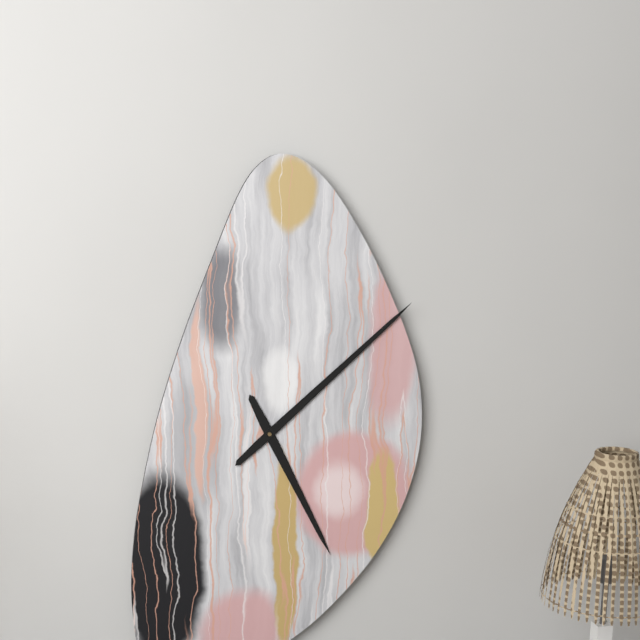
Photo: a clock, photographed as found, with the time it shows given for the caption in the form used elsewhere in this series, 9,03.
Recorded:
5,08
